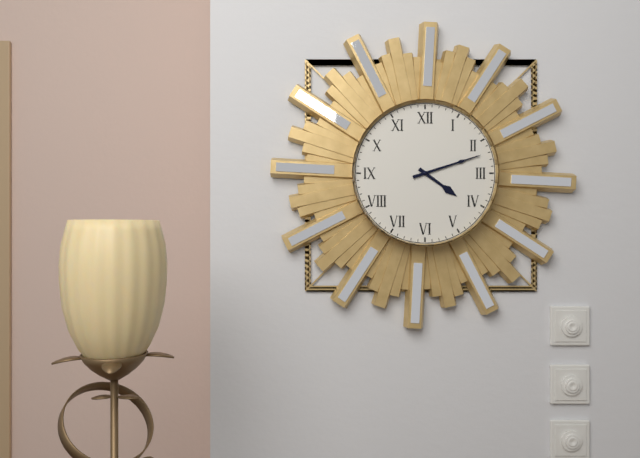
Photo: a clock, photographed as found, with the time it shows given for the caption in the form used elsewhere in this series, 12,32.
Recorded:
4,12
